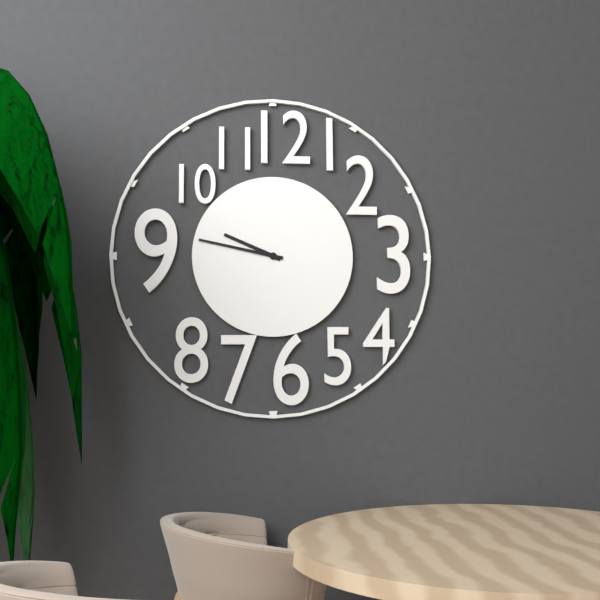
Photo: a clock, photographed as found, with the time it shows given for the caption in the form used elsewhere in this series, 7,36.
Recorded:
9,47
